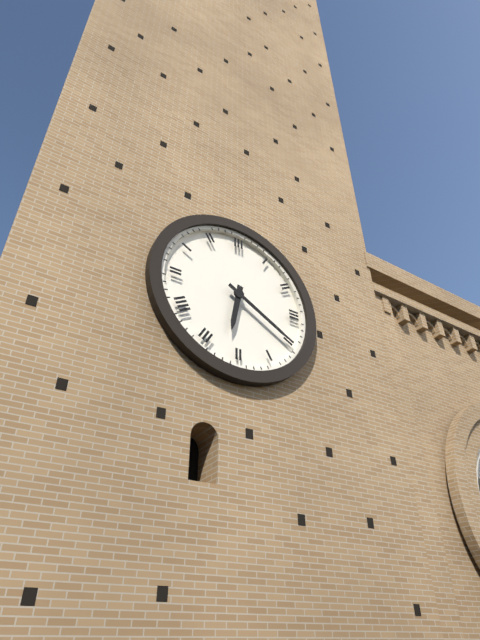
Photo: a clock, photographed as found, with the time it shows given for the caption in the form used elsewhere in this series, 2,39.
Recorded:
6,20
